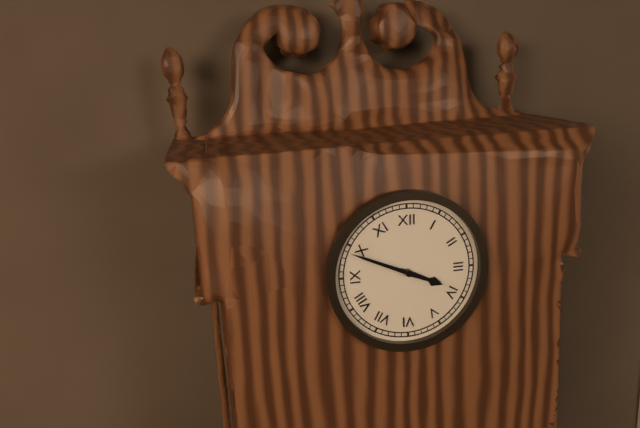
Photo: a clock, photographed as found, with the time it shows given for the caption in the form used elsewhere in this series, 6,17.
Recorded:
3,49
